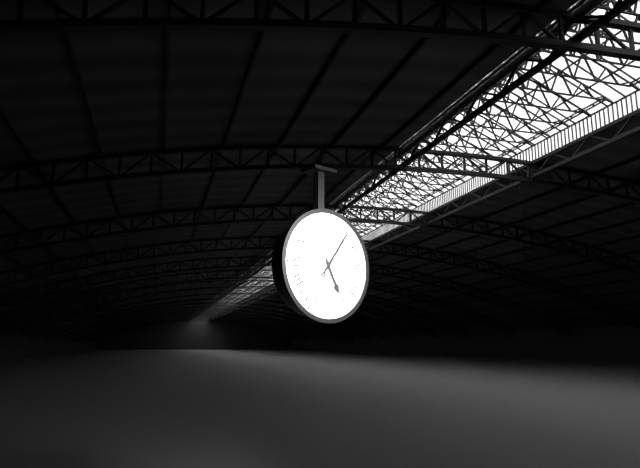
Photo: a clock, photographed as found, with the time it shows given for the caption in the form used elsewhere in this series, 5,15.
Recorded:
5,06
